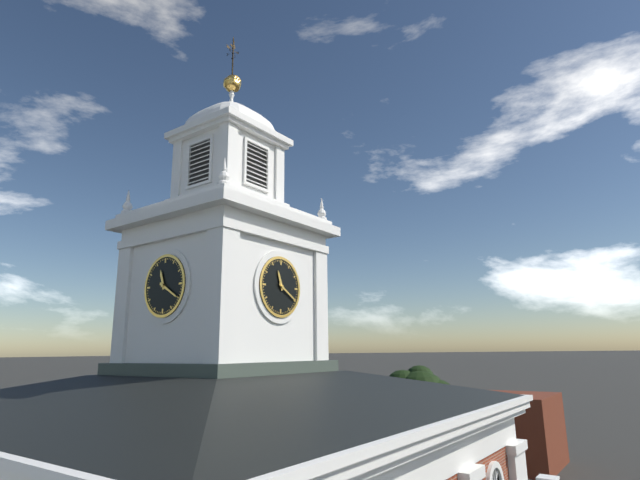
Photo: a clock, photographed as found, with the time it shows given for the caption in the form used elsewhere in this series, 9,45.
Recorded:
11,20
